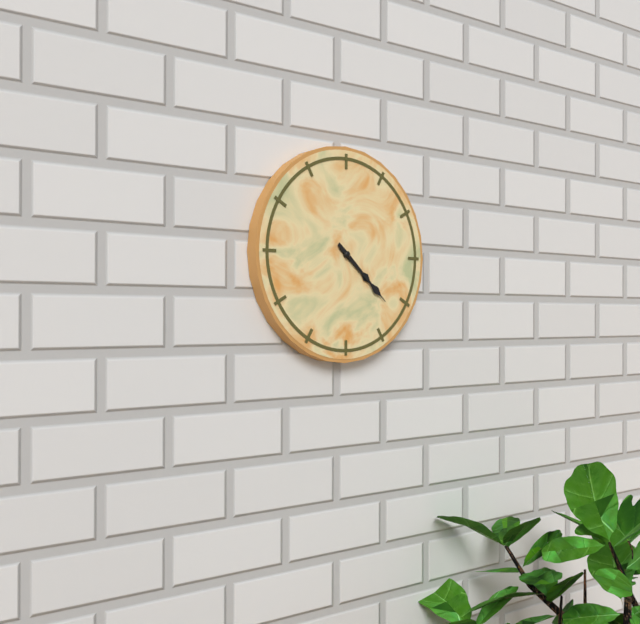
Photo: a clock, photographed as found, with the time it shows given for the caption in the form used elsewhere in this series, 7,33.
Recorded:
4,22
